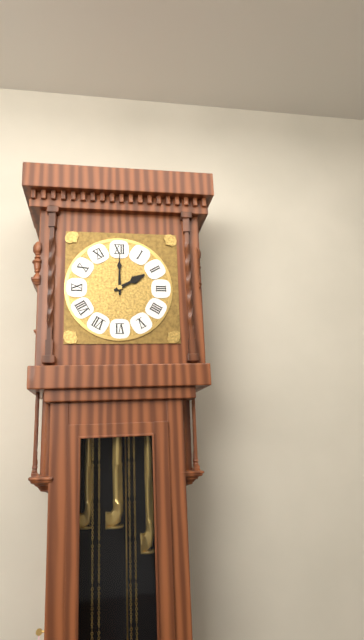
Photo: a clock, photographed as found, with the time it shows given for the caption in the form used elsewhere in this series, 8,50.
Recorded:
2,00
